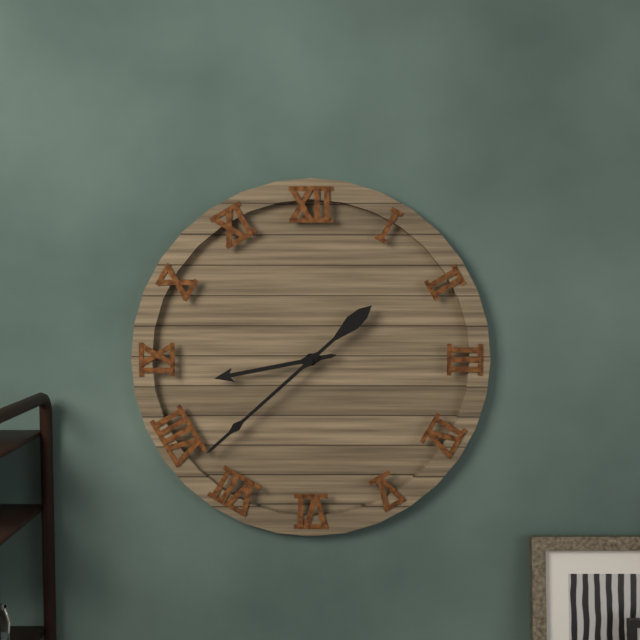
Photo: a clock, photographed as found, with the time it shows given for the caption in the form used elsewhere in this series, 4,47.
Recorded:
8,38
